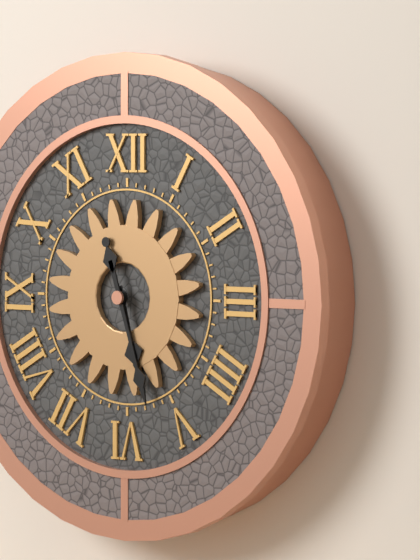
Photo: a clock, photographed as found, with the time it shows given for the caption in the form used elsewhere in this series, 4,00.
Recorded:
5,27
